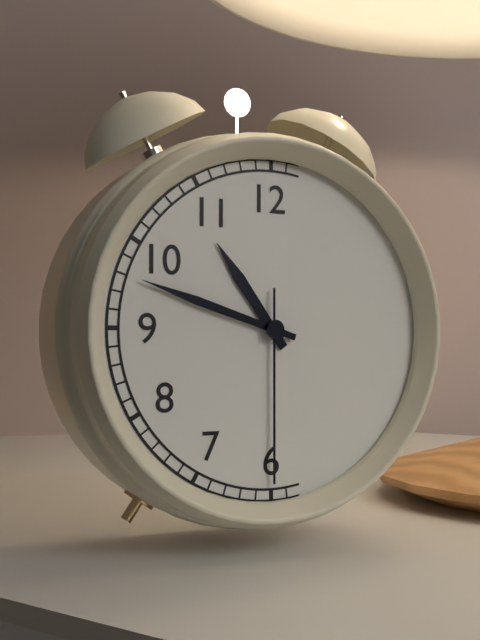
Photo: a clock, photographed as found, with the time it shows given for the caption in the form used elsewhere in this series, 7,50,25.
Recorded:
10,48,30
